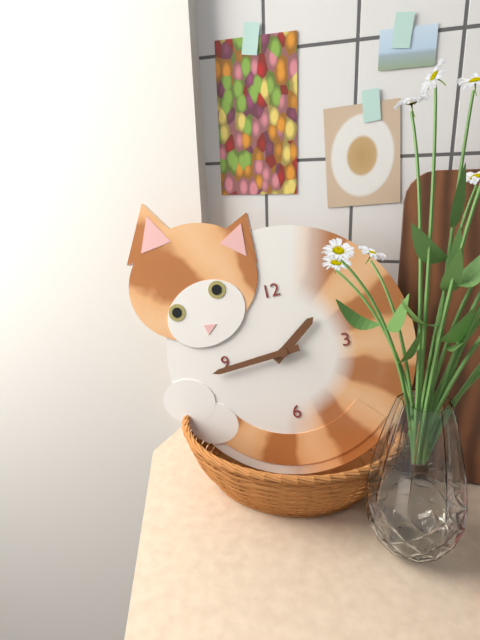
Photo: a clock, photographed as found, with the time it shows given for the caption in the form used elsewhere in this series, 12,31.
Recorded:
1,44
